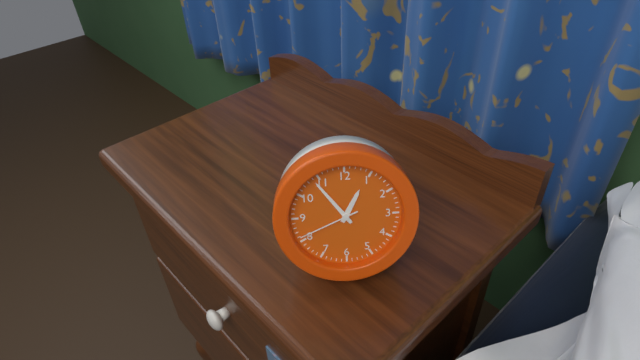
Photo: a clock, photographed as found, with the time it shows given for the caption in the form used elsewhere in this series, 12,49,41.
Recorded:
12,54,41
